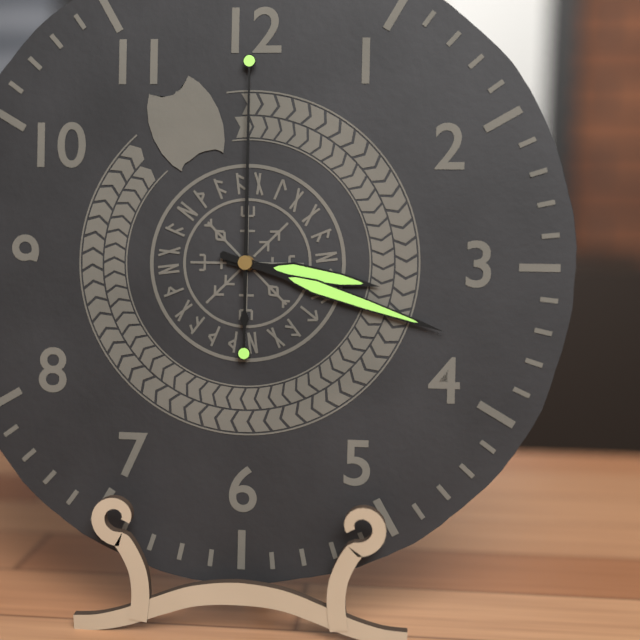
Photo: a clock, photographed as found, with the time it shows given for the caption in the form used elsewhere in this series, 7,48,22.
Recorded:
3,18,00
